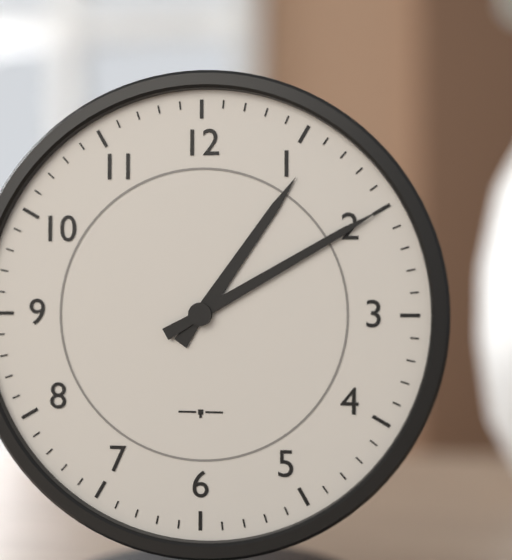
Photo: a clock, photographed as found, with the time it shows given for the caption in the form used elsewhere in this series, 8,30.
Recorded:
1,10
